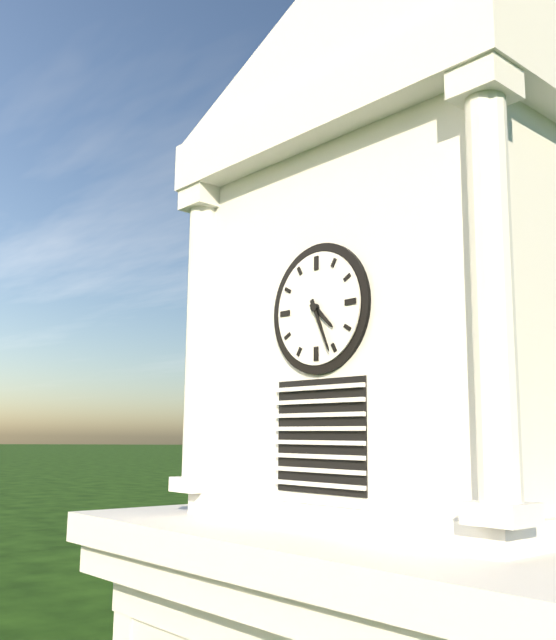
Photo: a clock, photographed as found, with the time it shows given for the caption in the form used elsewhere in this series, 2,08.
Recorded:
4,26
